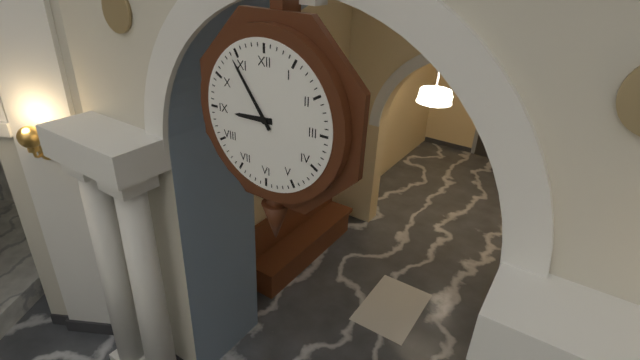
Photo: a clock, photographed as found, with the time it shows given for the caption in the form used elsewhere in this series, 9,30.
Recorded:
8,54
